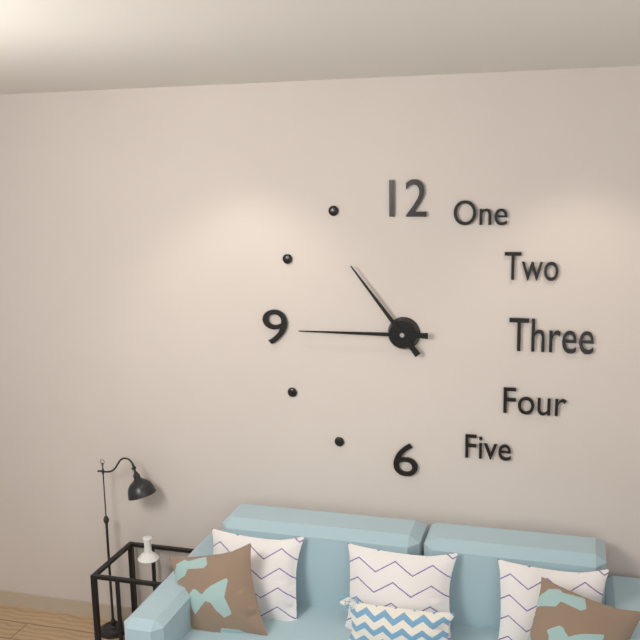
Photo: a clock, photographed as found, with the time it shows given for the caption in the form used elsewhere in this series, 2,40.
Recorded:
10,45
